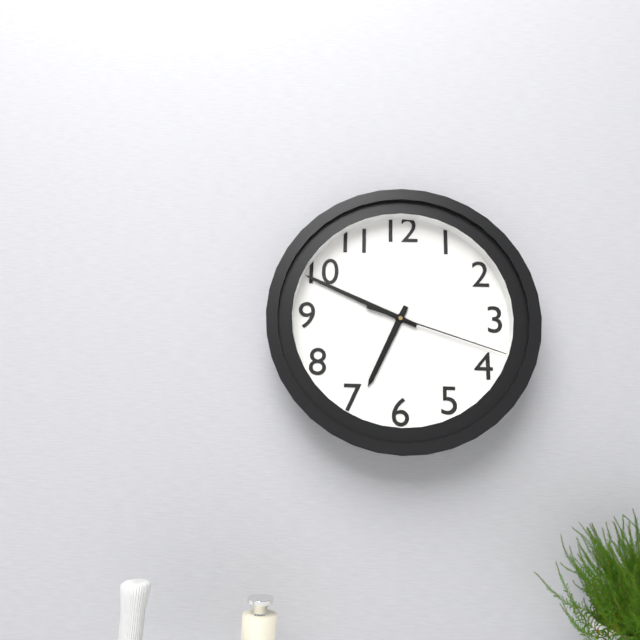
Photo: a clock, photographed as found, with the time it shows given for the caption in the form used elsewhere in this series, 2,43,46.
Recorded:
6,49,18
